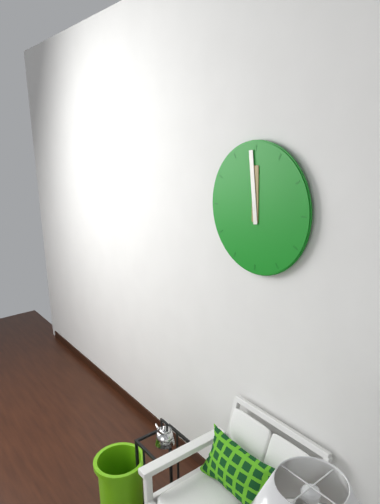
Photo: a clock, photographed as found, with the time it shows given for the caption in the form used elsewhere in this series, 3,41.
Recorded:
11,59
